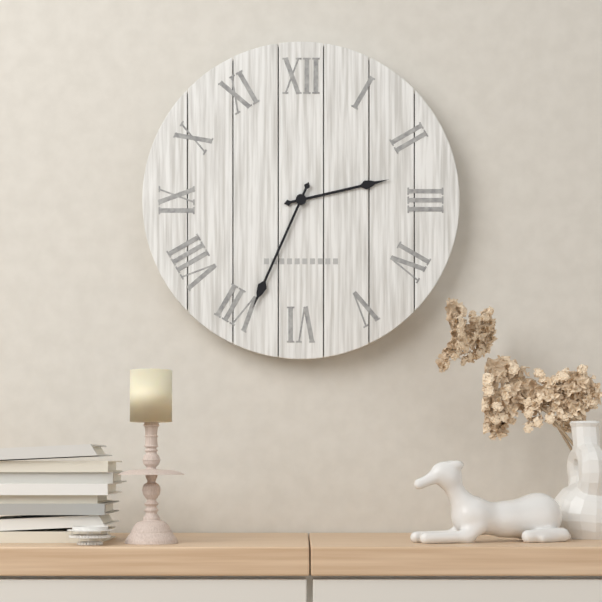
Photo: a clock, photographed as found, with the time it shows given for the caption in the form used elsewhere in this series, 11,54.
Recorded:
2,34
